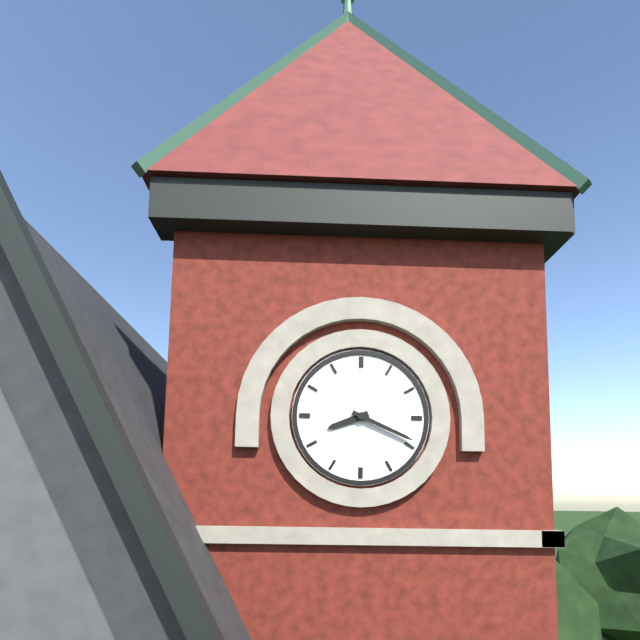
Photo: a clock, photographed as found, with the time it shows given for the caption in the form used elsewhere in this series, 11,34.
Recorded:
8,19
